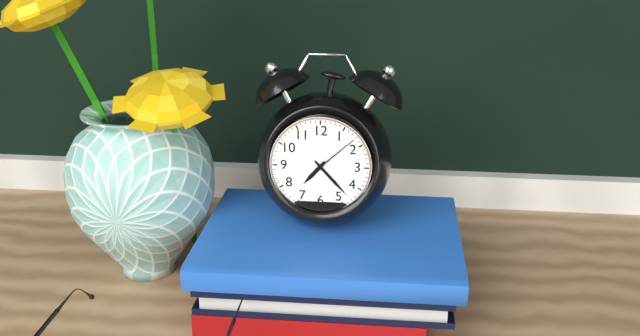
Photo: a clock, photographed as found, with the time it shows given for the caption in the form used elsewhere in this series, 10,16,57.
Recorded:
7,23,08
